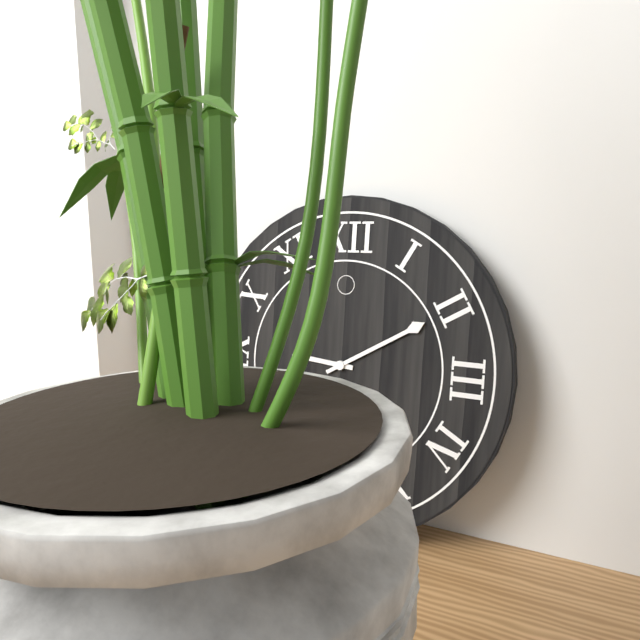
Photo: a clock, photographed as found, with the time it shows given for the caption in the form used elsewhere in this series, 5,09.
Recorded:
9,10
